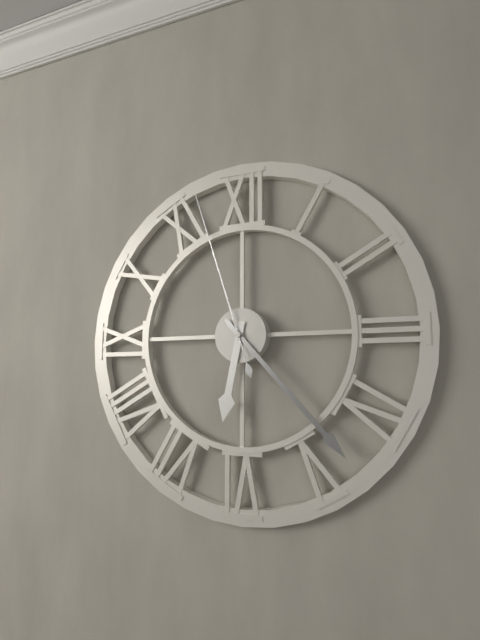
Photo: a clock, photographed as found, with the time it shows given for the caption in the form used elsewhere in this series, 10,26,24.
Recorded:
6,23,57
